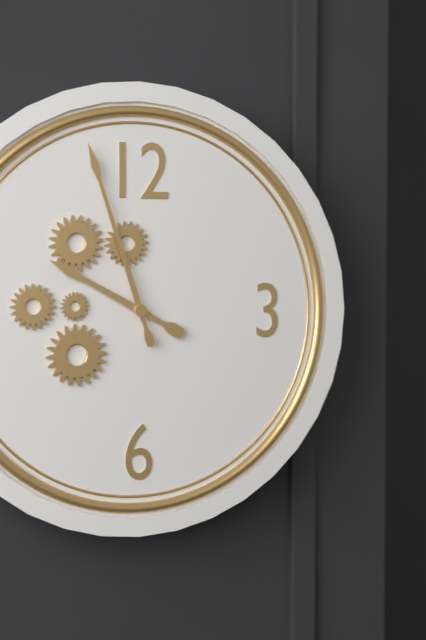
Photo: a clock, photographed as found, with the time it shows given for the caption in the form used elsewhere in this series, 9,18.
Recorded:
9,57
